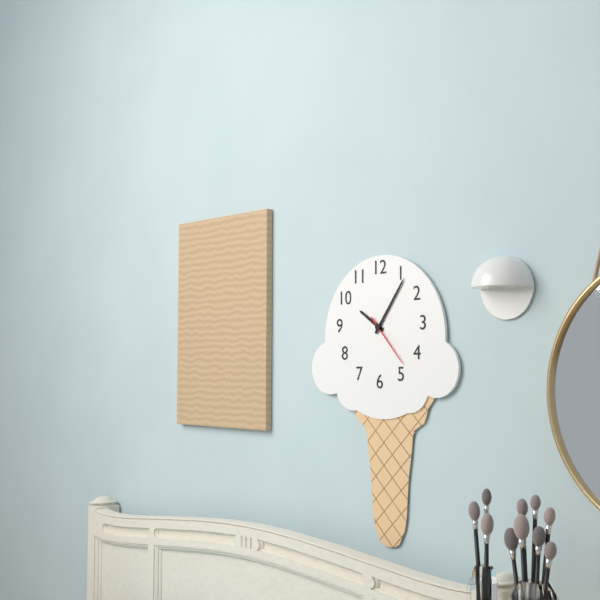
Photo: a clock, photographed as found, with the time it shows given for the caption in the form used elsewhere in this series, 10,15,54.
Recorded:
10,06,23
